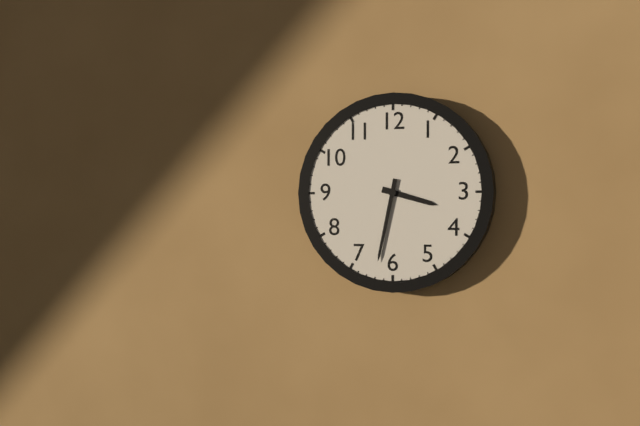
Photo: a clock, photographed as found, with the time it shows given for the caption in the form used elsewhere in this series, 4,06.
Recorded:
3,32
